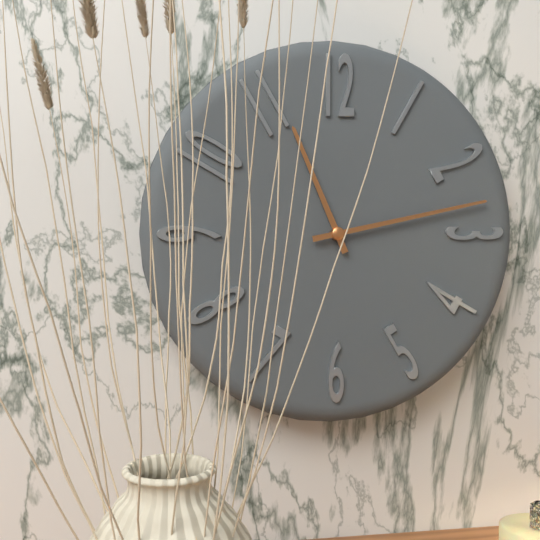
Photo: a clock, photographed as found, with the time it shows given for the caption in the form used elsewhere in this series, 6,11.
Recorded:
11,13
